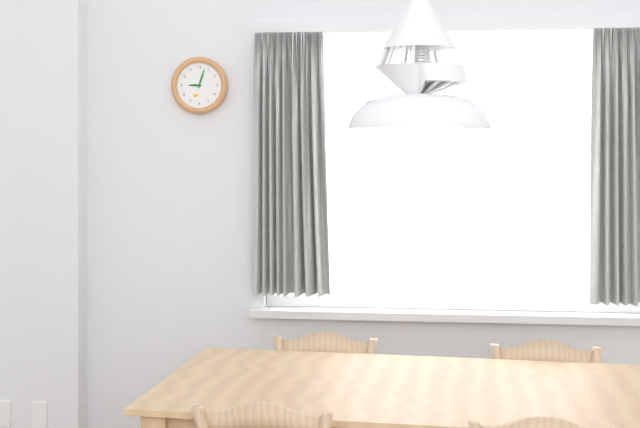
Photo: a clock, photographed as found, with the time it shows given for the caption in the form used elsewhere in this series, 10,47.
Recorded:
9,03
